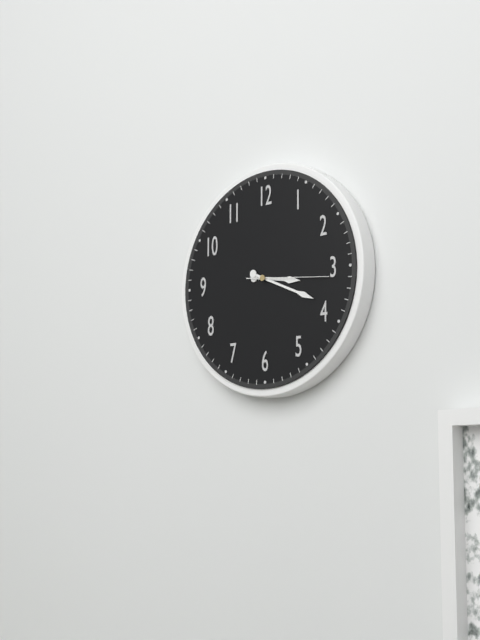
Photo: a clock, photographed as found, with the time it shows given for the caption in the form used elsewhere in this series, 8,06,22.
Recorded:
3,19,16
